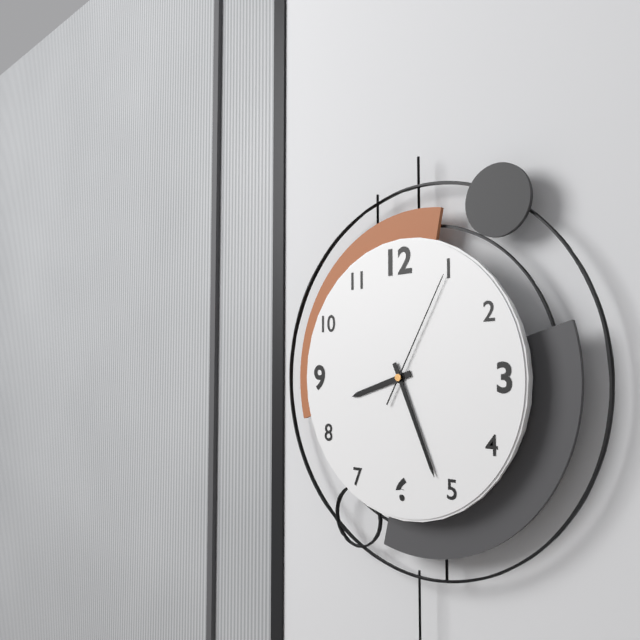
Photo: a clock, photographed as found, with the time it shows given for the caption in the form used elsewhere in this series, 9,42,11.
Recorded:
8,26,05
